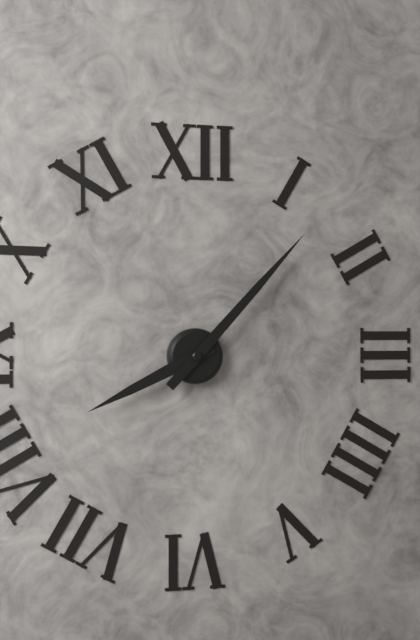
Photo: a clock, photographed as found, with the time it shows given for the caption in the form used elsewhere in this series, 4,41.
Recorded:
8,07
